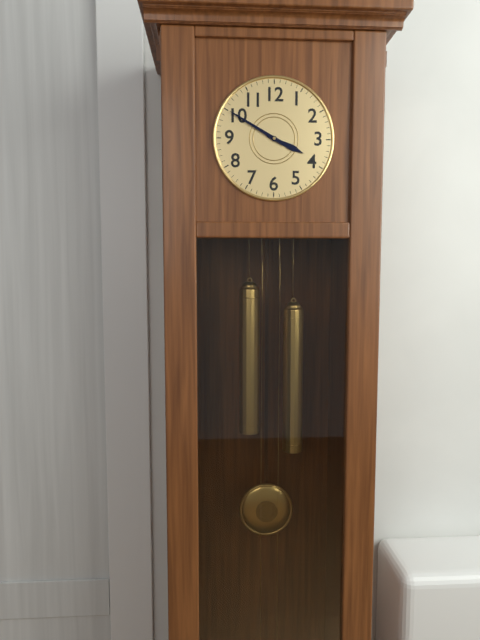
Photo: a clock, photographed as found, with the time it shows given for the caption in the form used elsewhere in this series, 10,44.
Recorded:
3,50
